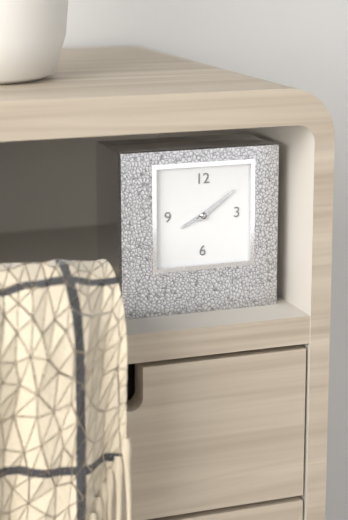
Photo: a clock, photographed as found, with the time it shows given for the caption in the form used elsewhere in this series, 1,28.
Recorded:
8,09
